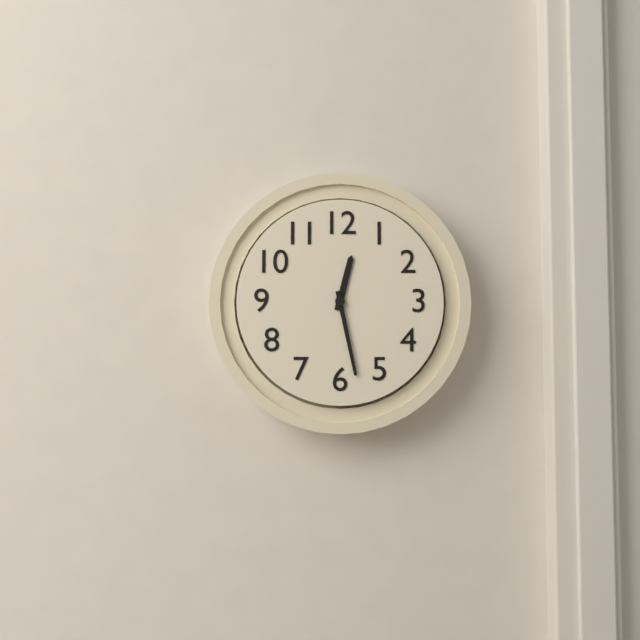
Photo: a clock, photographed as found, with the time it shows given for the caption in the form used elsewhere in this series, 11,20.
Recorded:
12,28
